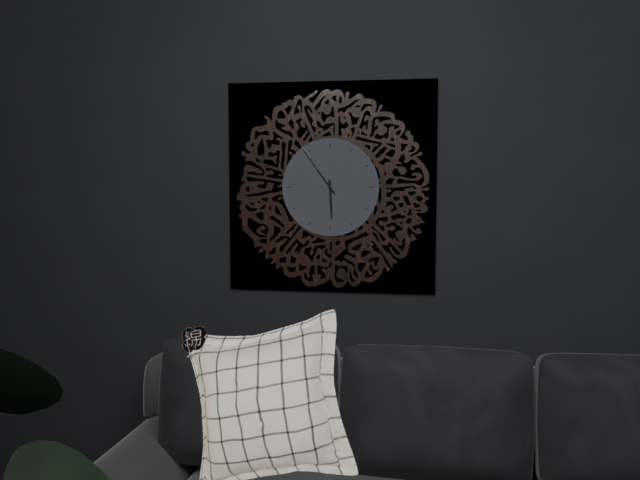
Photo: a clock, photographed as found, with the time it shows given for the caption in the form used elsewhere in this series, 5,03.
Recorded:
5,54
